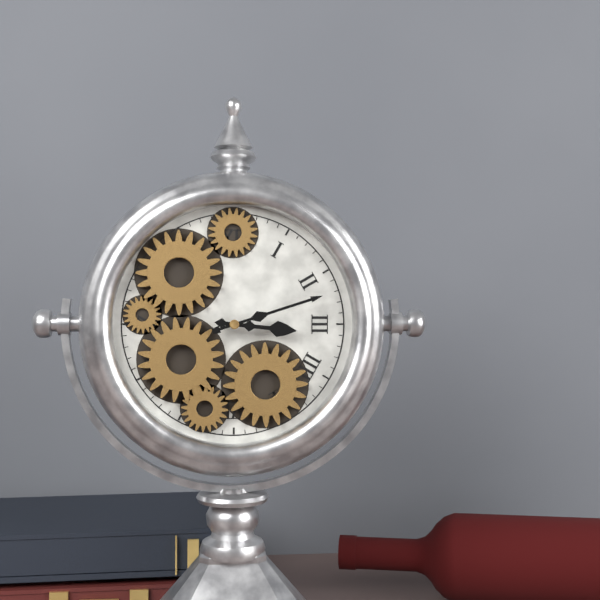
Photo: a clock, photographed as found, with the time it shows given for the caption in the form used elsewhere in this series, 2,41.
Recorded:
3,12
